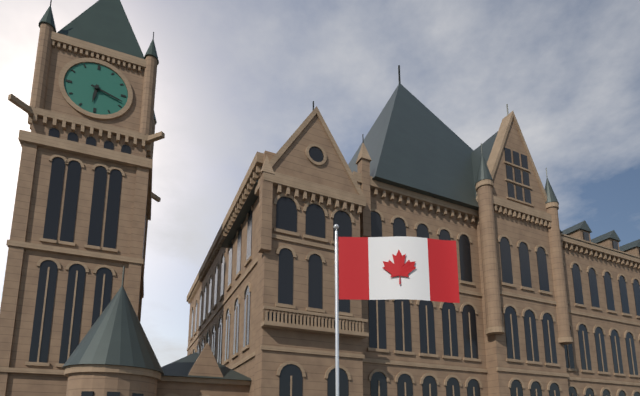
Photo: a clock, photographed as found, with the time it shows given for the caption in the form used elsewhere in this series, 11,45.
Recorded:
6,18
